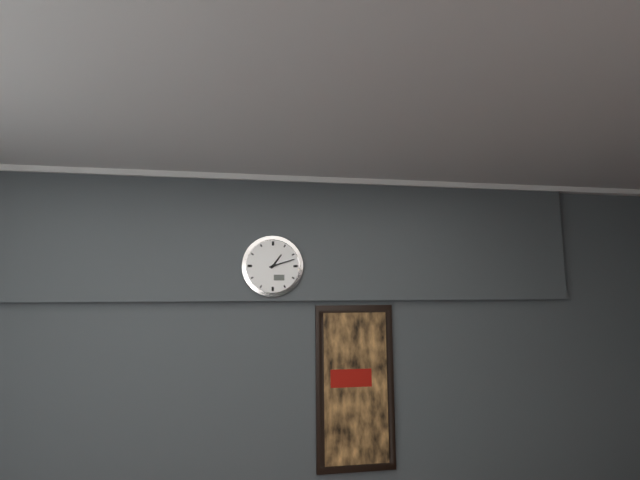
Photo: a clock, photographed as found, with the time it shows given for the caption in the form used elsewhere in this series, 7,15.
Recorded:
1,12
